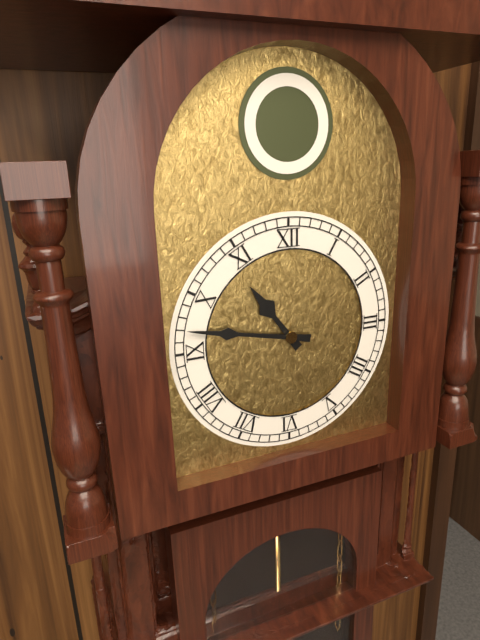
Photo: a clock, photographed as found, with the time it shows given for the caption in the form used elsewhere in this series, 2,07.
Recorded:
10,47
